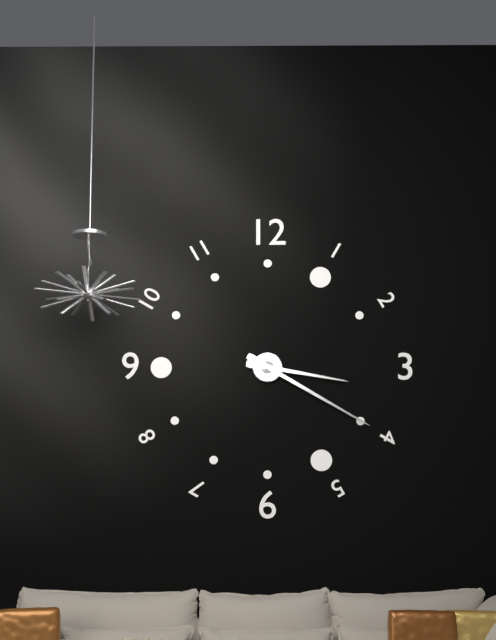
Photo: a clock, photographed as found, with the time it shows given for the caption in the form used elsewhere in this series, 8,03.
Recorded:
3,20
